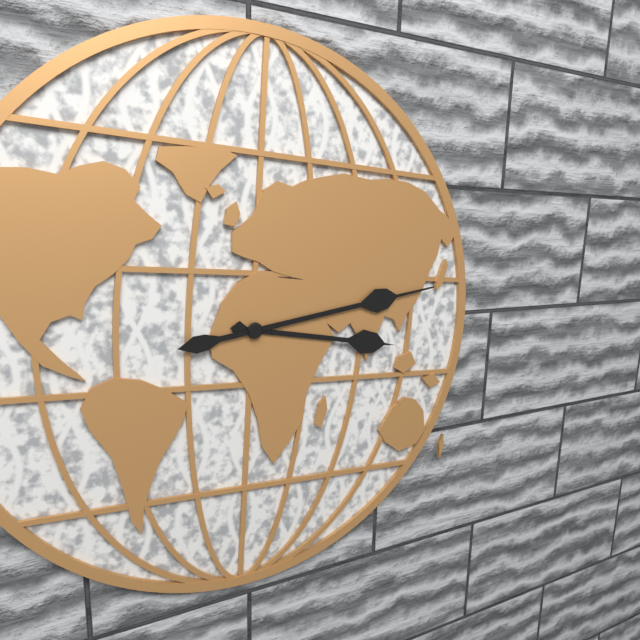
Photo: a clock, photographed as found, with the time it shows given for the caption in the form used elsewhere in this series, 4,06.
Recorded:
3,13
